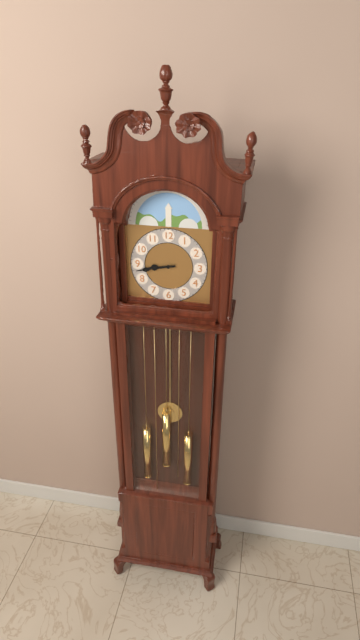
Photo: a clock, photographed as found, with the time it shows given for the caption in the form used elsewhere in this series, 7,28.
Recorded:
8,43
